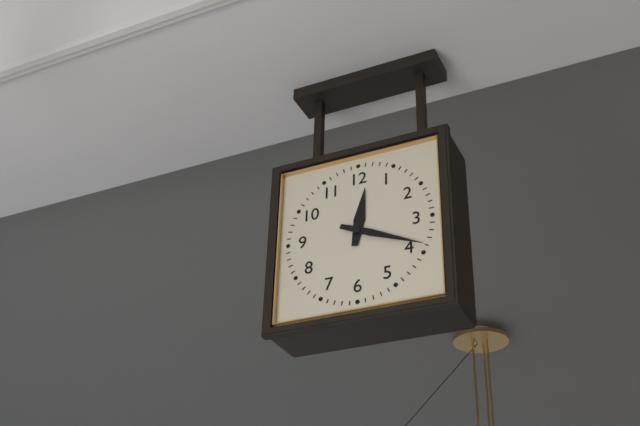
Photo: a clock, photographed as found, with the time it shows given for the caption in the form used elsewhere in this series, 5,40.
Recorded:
12,19
